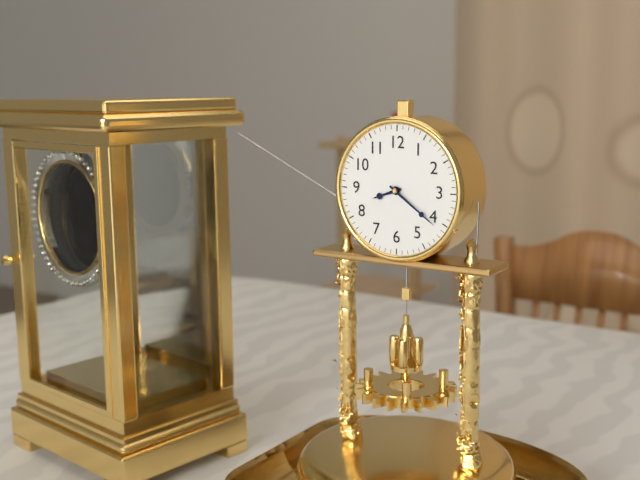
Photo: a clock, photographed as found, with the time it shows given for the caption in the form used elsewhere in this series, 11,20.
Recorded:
8,21
